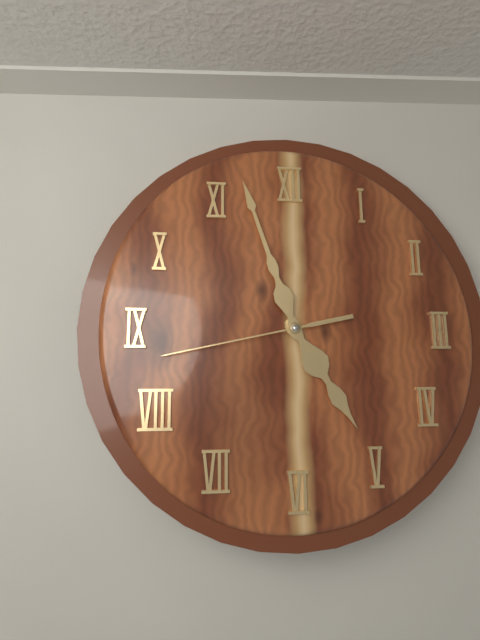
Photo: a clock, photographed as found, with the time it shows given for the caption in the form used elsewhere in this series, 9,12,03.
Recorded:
4,57,43
